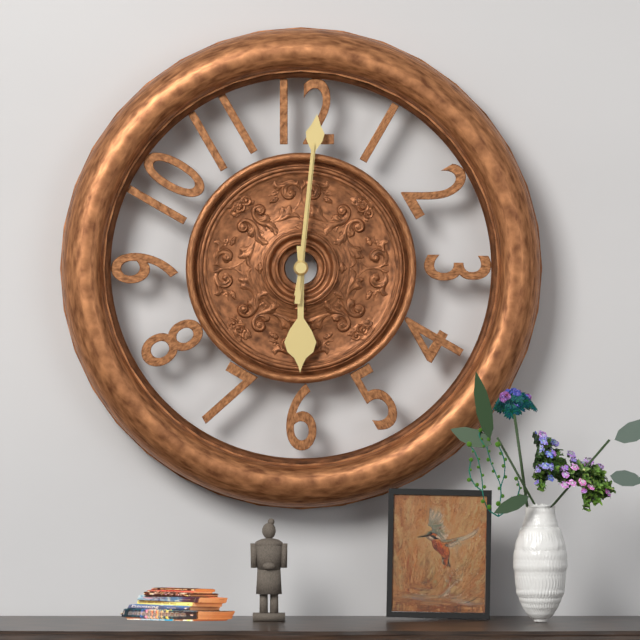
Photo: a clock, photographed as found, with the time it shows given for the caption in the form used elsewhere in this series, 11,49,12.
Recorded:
6,01,01
